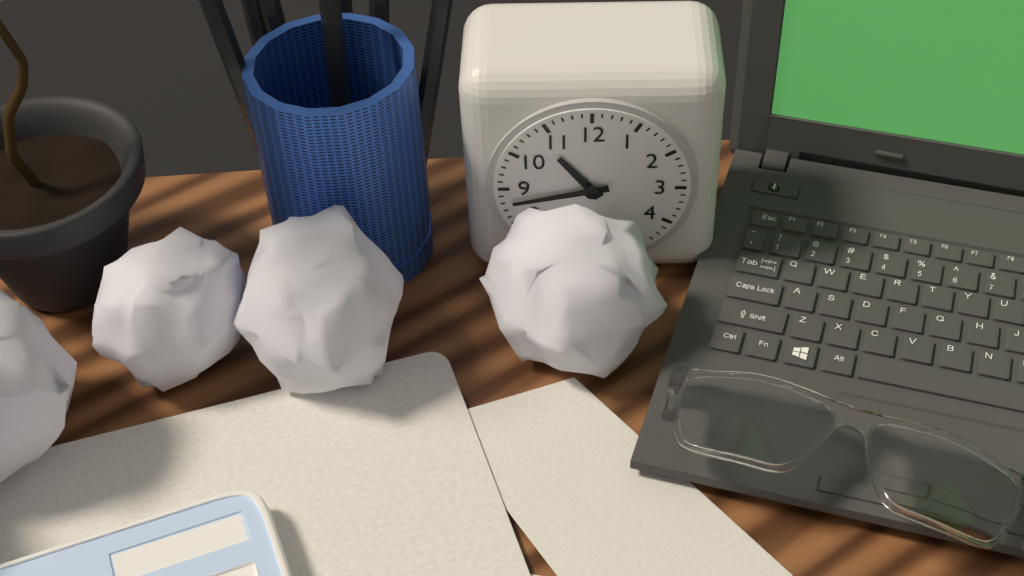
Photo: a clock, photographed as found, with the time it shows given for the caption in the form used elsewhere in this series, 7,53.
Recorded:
10,43
